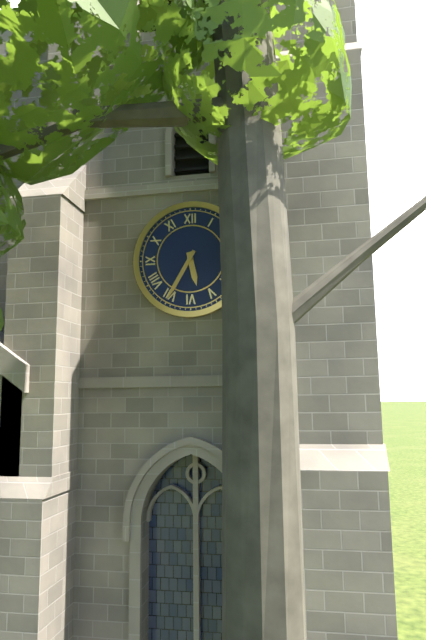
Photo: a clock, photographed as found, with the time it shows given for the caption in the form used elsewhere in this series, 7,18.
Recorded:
5,35
